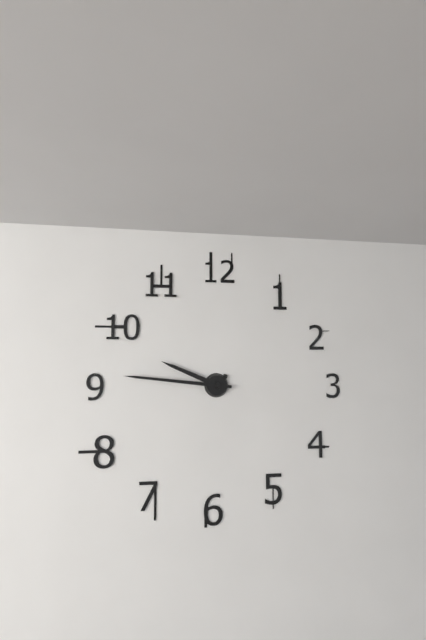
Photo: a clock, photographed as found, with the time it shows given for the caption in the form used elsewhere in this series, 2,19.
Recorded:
9,46
